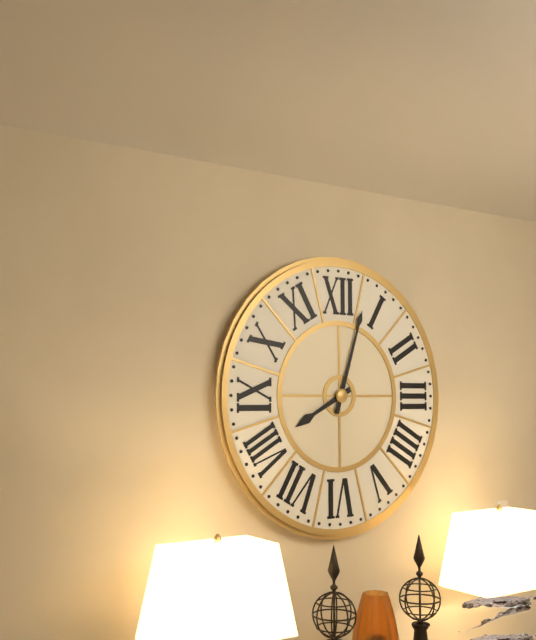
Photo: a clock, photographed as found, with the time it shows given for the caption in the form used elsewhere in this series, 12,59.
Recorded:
8,03
